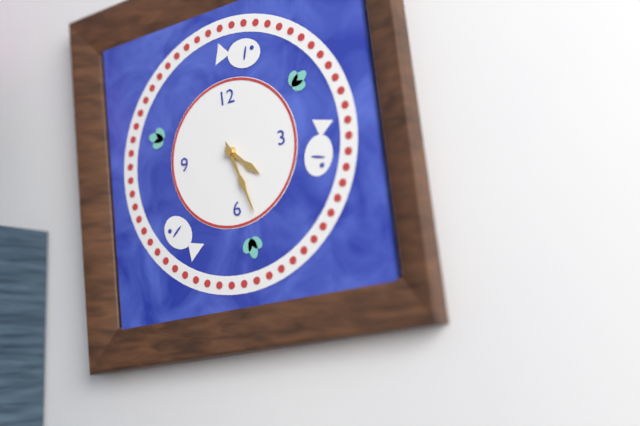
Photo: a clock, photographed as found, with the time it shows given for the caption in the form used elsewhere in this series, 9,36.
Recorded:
4,27
